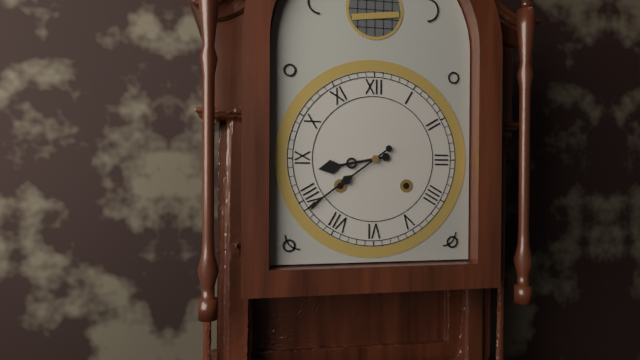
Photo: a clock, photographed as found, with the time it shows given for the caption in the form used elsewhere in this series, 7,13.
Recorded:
8,39
